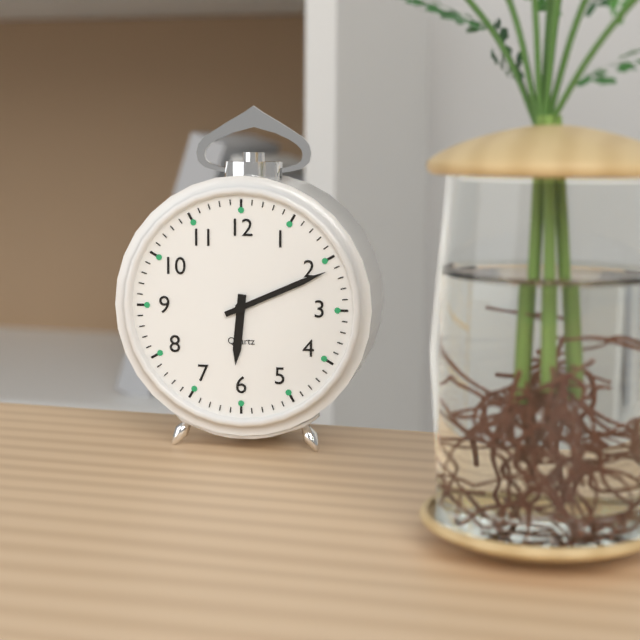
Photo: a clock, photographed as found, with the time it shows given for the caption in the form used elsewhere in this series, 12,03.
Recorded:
6,11
